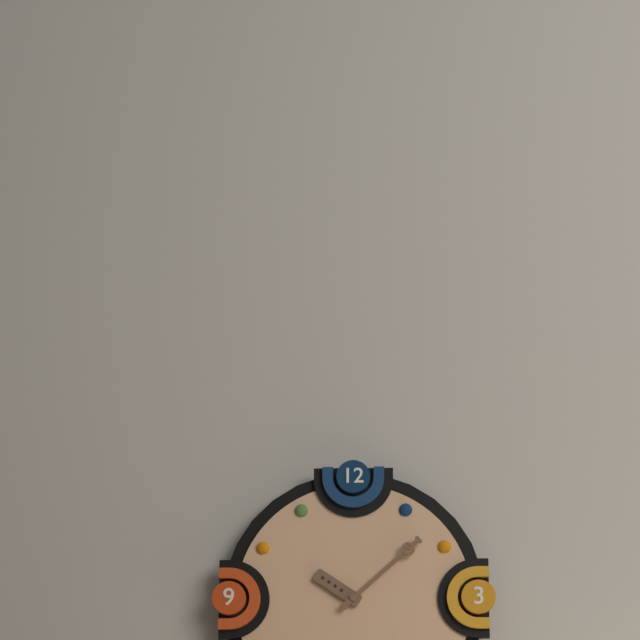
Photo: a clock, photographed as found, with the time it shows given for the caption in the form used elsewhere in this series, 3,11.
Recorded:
10,08
